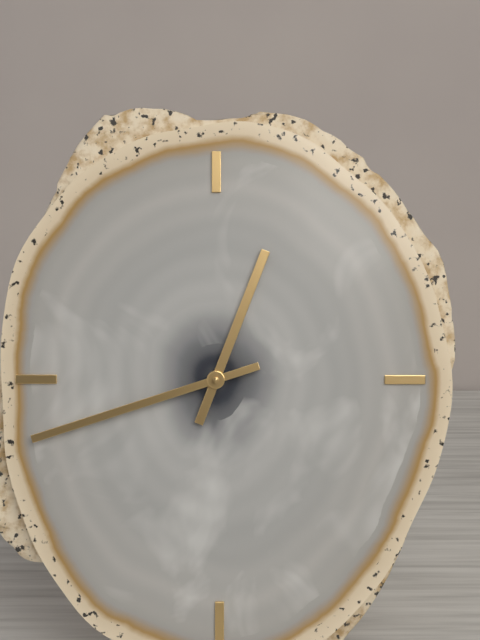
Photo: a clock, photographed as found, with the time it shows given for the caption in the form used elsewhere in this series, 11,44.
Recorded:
12,42
